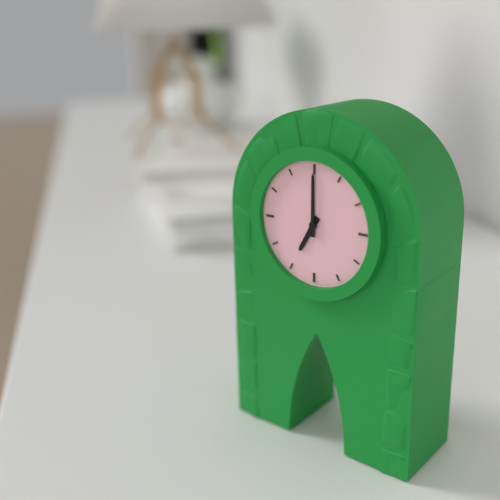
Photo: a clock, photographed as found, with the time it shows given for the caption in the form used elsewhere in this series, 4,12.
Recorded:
7,00
